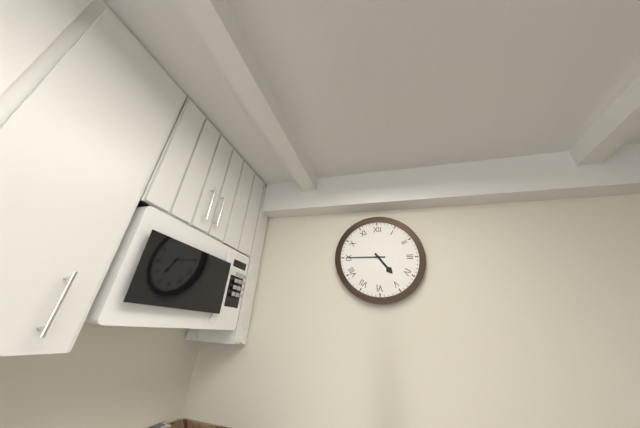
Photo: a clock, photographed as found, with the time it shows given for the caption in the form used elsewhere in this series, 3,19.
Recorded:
4,45
